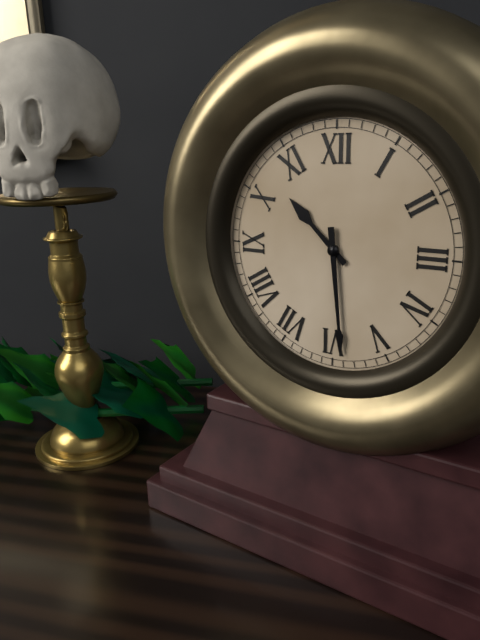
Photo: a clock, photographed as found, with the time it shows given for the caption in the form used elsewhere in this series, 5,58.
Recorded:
10,29
